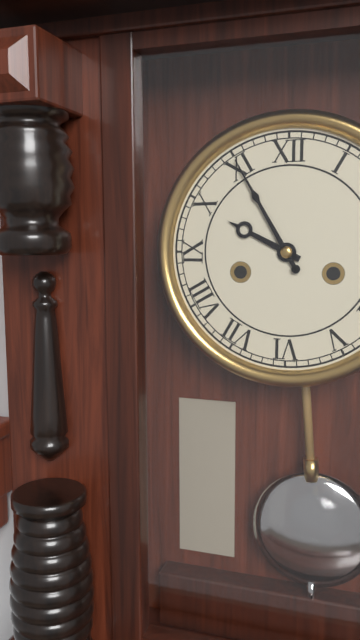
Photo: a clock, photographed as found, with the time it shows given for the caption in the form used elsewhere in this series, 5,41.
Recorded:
9,55
